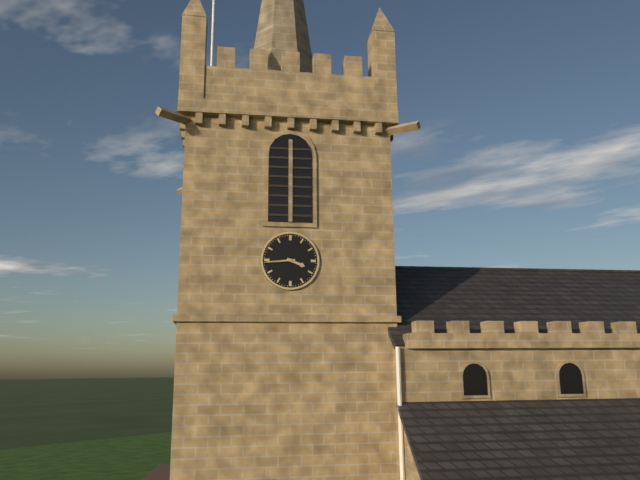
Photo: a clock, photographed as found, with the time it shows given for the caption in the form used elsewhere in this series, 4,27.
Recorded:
3,44
